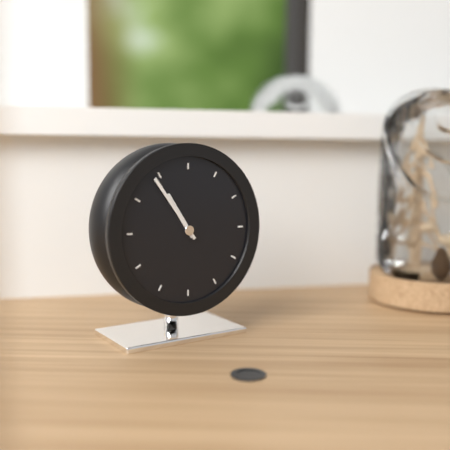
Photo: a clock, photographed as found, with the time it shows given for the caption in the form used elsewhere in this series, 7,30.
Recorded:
10,54
